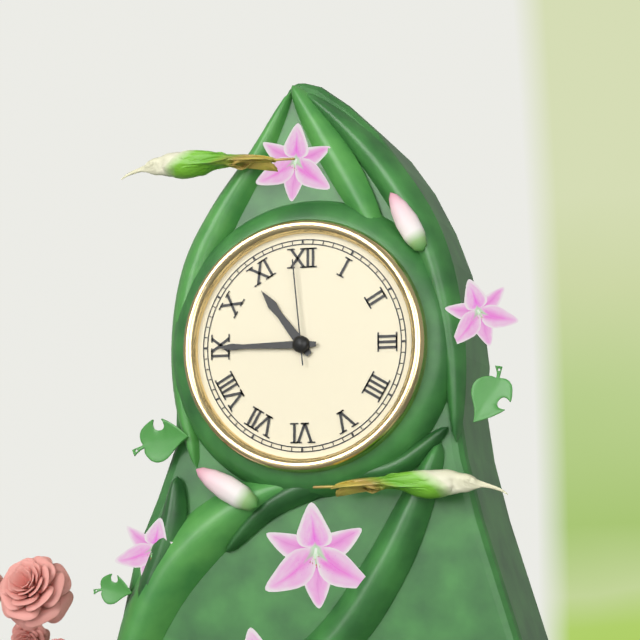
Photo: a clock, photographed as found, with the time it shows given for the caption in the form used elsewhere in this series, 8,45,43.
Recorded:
10,45,59
